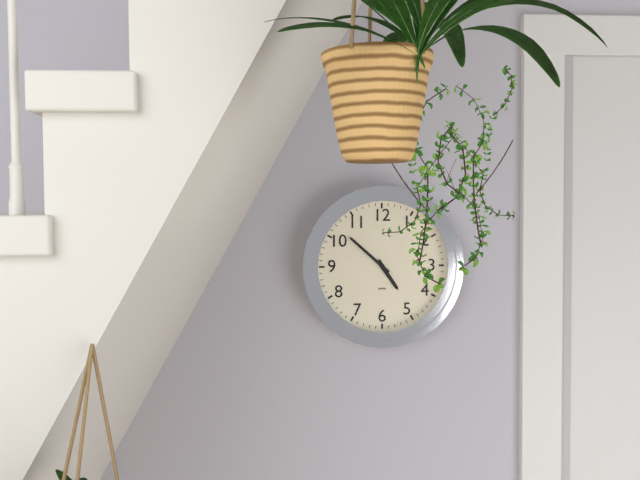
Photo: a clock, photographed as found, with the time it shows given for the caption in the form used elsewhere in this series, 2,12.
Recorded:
4,52
